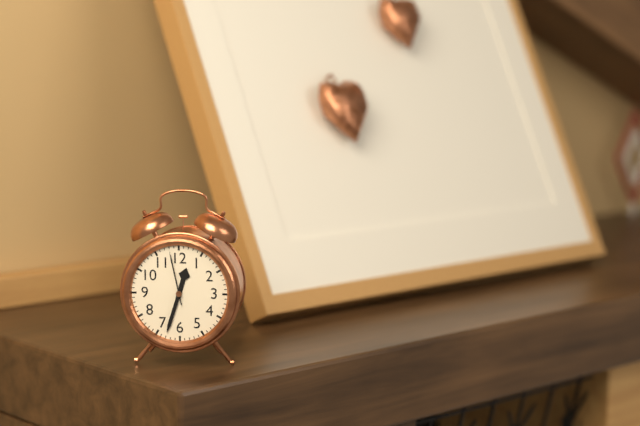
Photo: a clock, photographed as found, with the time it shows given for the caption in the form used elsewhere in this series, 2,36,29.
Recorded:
12,33,58
